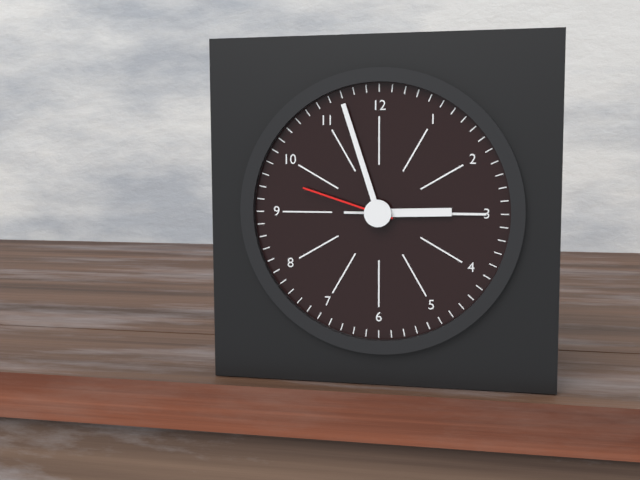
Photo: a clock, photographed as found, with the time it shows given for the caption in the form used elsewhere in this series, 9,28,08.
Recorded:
2,57,48
